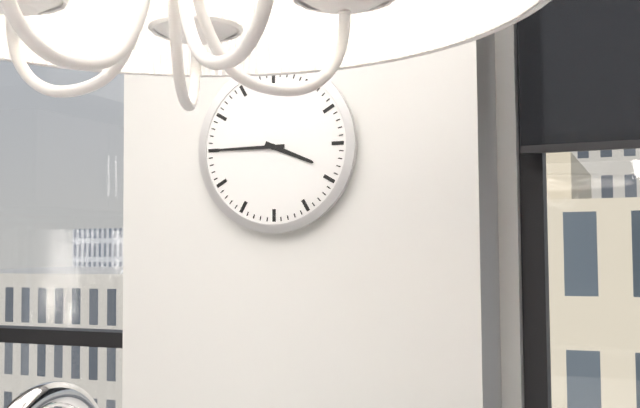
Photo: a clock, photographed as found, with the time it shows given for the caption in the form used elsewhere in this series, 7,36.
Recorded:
3,45
